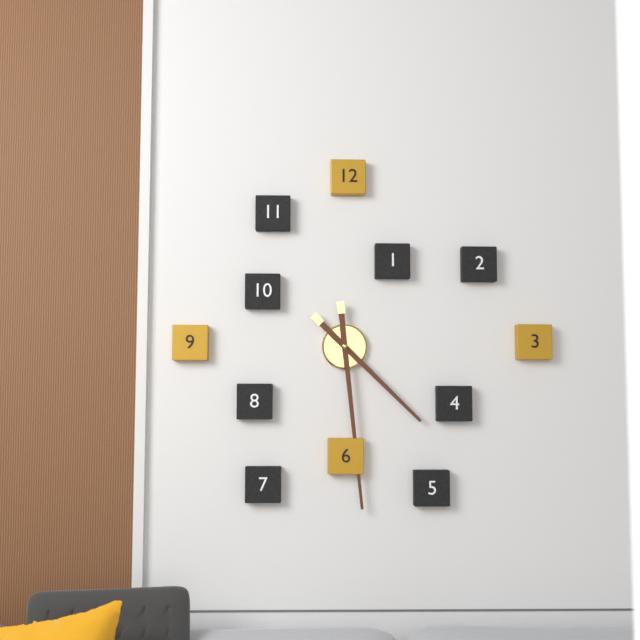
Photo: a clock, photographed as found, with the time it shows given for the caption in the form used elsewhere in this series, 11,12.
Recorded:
4,29
